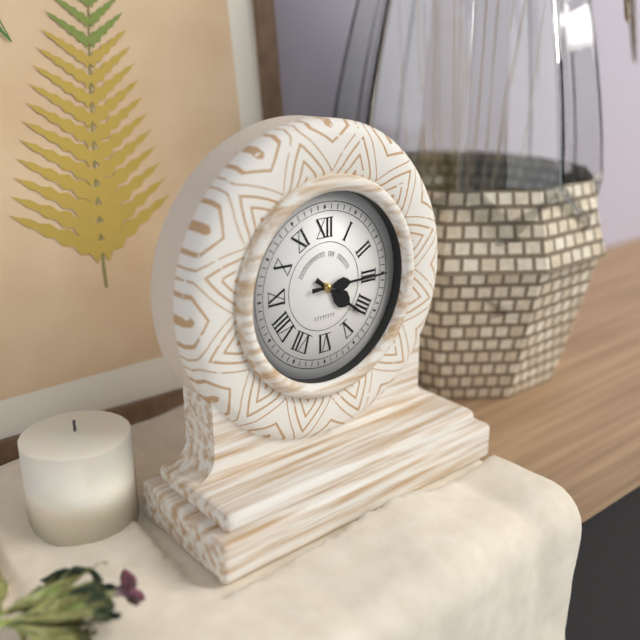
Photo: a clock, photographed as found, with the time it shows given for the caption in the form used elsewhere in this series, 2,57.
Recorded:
4,15
